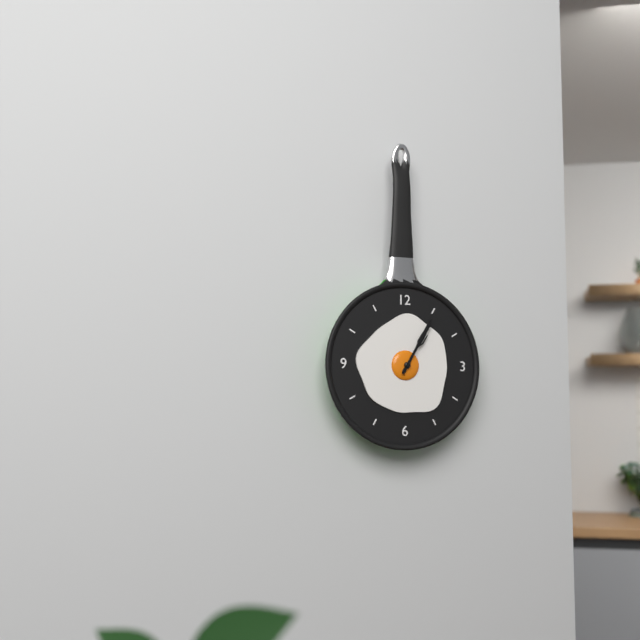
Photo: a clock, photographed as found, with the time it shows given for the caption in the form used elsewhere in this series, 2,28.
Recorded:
1,05
